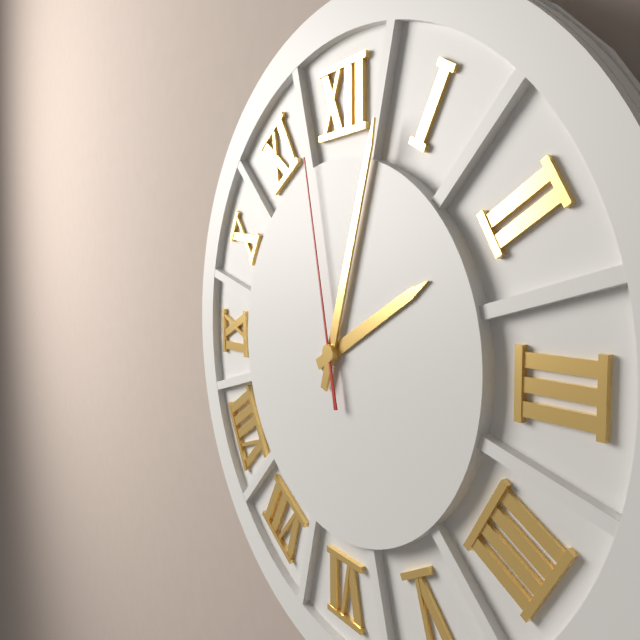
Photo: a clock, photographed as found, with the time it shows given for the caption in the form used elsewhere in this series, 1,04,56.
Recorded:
2,03,58
